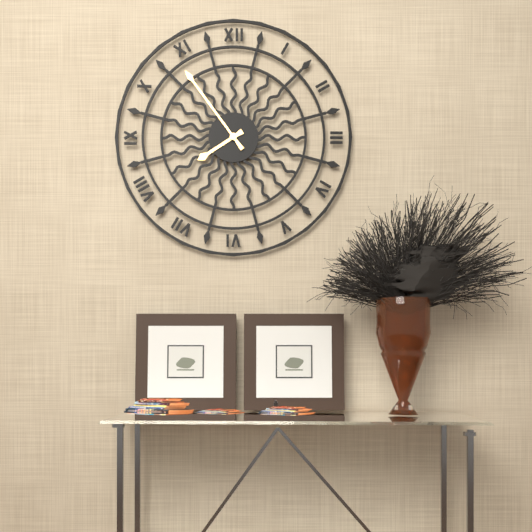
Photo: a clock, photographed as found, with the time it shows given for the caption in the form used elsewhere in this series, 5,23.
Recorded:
7,54
